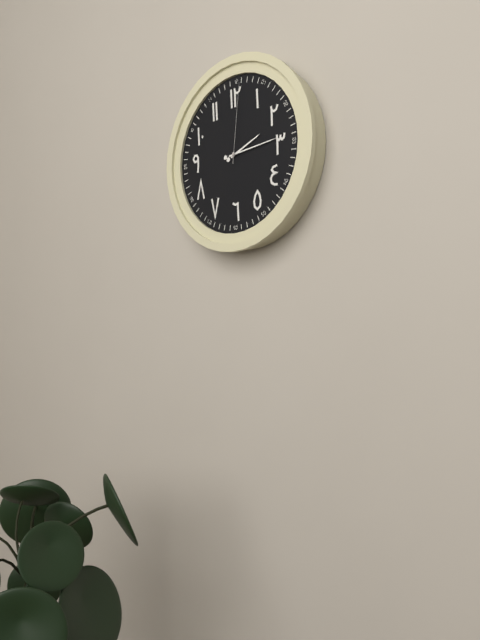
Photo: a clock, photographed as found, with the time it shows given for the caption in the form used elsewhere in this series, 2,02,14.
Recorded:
2,14,01
